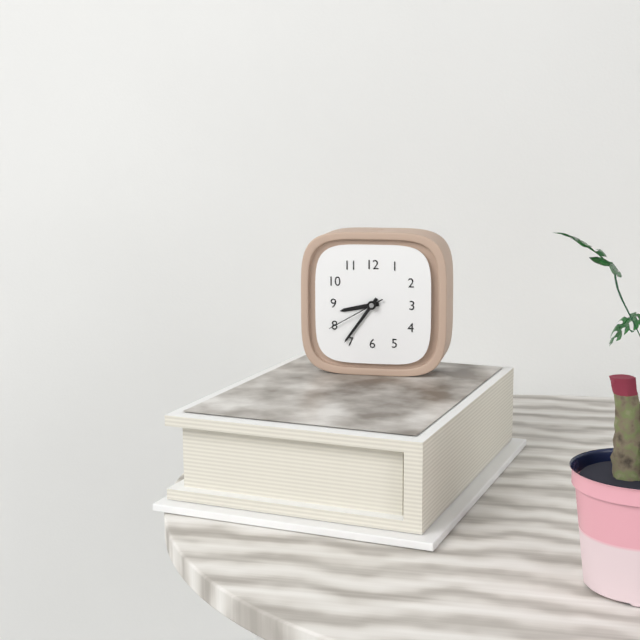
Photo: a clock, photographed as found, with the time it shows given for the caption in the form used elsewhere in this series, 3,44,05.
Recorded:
8,36,40
